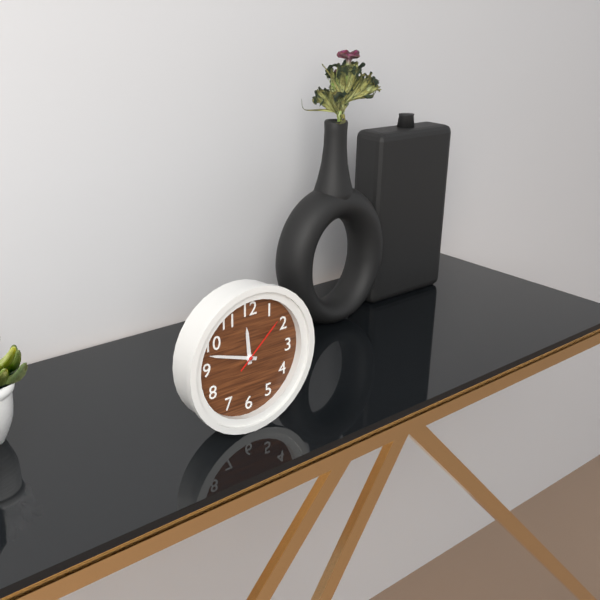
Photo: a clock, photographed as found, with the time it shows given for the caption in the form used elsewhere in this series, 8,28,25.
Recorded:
11,48,08
